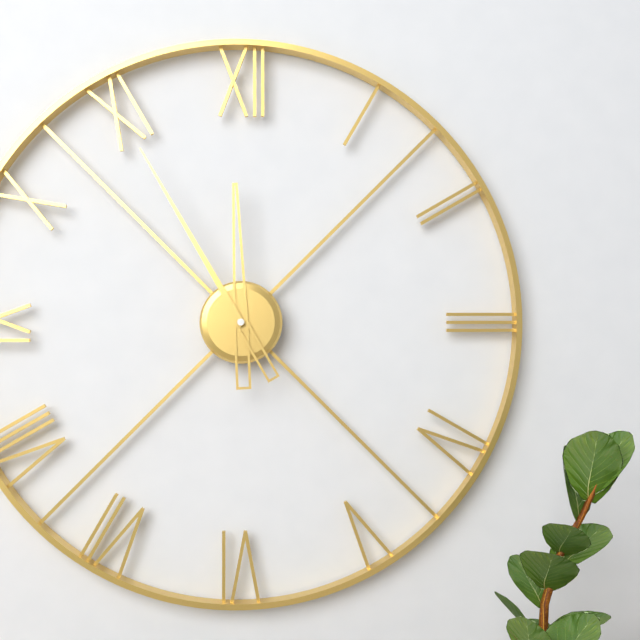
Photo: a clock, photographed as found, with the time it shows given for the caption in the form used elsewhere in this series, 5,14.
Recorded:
11,55
